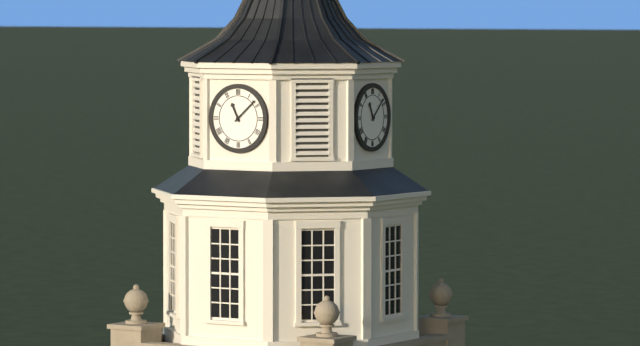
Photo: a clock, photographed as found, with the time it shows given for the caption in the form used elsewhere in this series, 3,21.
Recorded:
11,08
